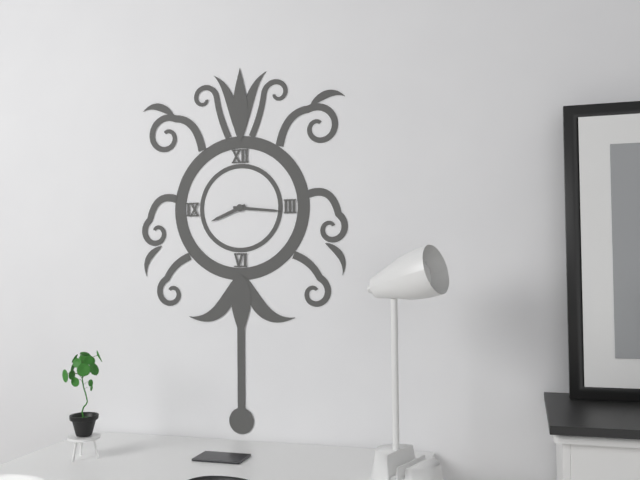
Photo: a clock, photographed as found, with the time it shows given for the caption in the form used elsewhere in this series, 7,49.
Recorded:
8,16
